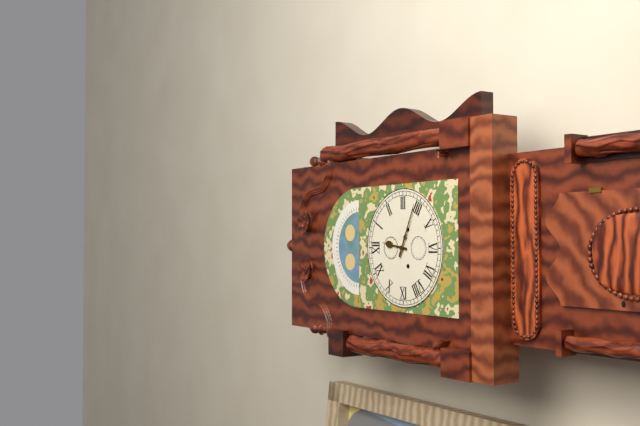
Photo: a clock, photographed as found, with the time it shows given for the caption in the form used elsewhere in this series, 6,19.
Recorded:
12,19
